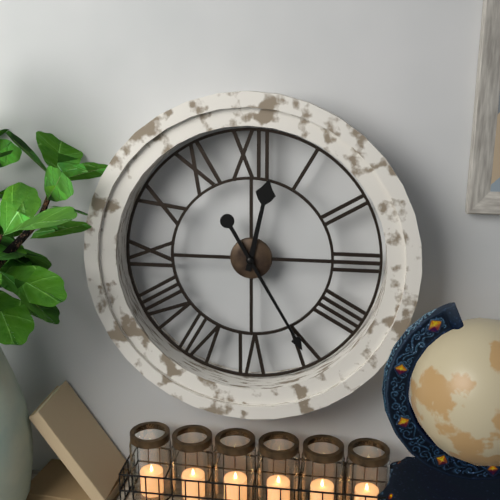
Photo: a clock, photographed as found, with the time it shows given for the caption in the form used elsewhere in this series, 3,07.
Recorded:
12,25
